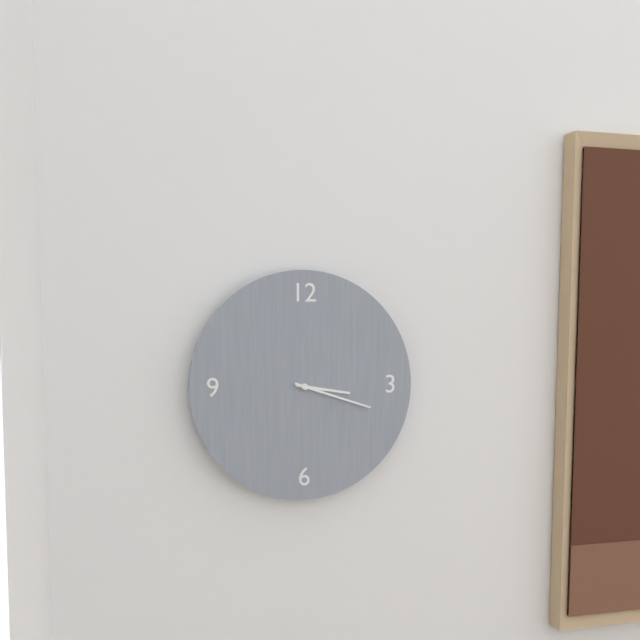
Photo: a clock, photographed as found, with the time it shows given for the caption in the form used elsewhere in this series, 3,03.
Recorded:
3,18
